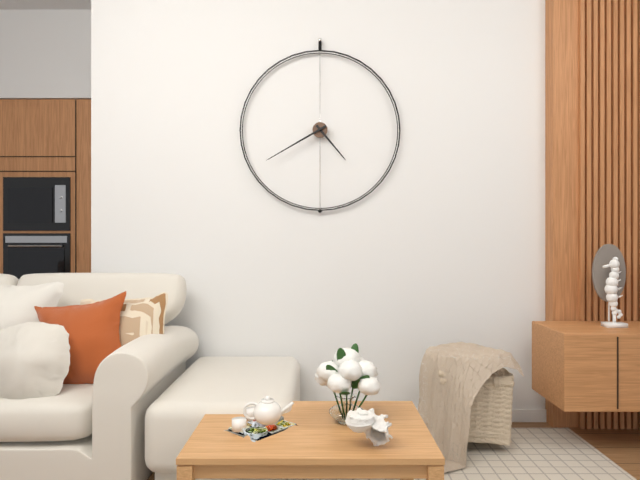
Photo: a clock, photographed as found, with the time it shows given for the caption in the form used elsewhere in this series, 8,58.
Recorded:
4,40
